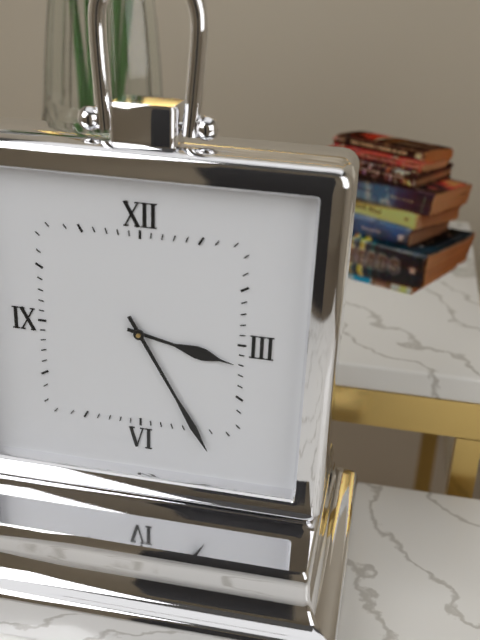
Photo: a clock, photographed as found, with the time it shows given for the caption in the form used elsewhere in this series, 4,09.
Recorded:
3,25
